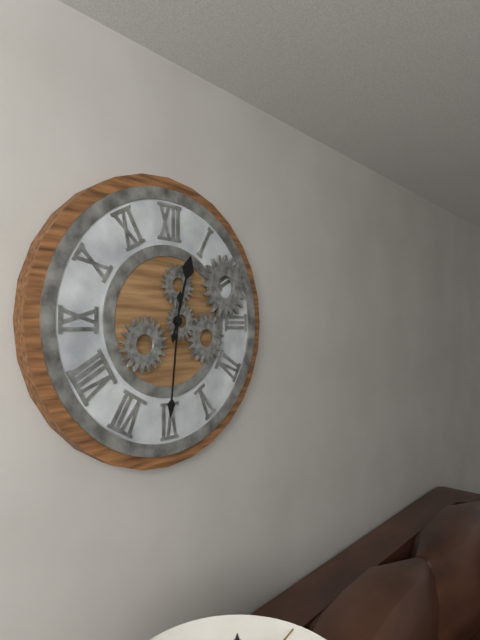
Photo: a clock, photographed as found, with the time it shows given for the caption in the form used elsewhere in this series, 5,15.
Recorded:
12,31
